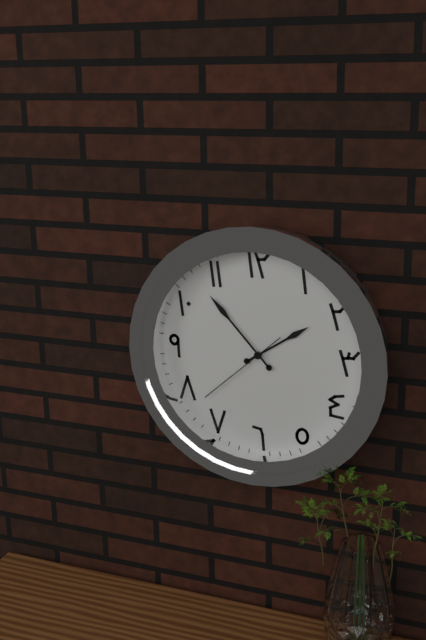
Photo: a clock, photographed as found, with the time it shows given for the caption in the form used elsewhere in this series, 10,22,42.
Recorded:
1,53,38
